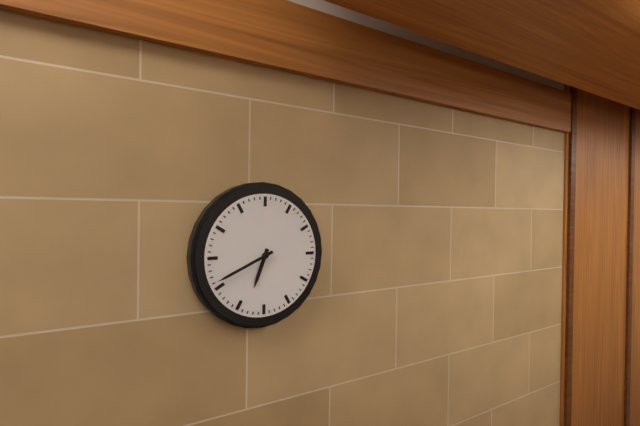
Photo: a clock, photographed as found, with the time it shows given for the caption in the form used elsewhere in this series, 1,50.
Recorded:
6,41
